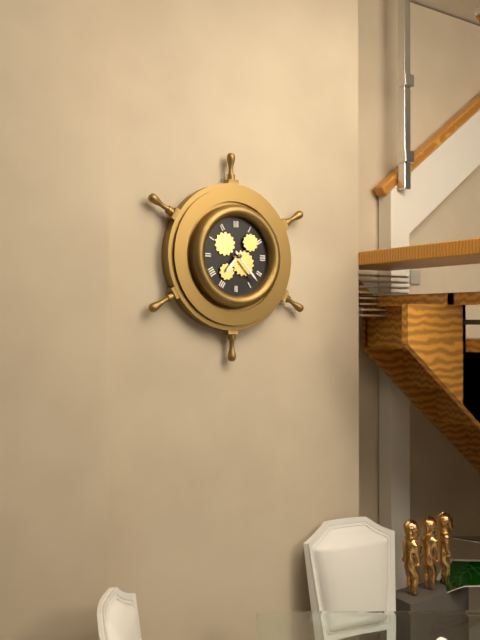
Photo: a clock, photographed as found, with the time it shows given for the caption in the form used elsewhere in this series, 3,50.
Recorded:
7,23
